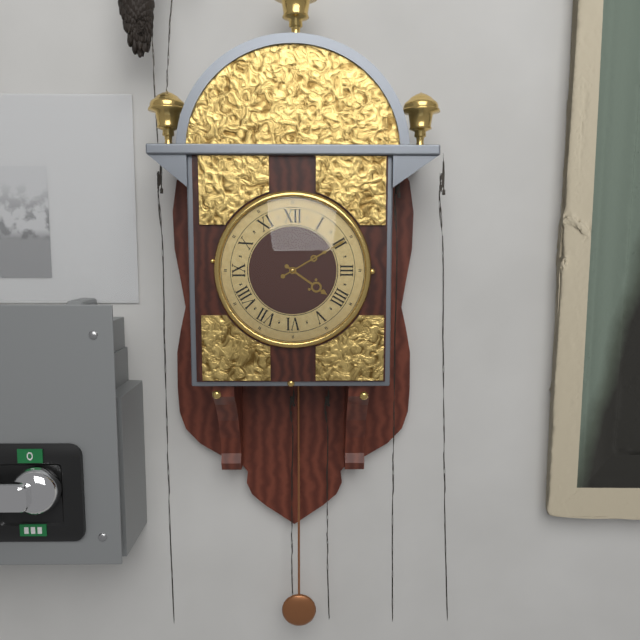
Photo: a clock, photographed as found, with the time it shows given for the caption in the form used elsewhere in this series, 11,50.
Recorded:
4,10
